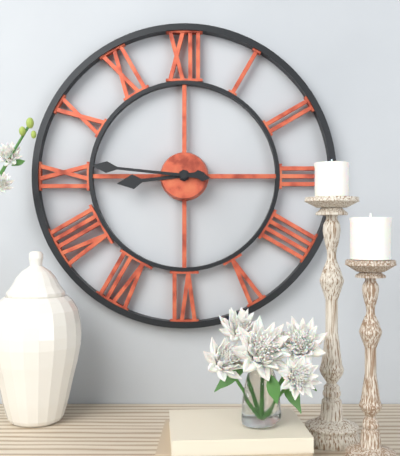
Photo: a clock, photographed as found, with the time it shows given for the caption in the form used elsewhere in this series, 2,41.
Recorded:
8,46
